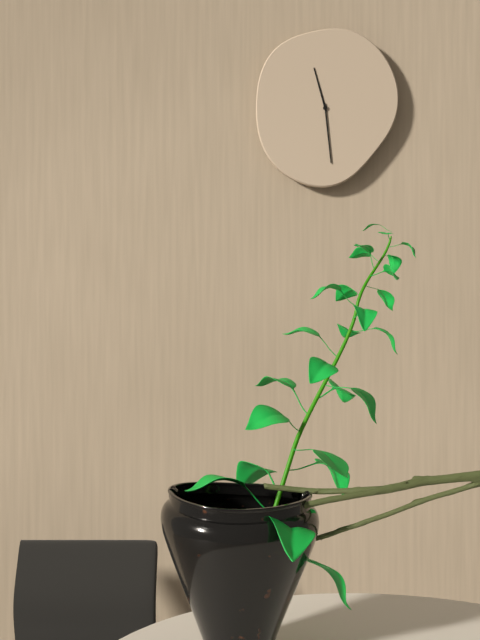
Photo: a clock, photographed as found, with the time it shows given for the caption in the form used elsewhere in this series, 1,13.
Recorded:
11,29
